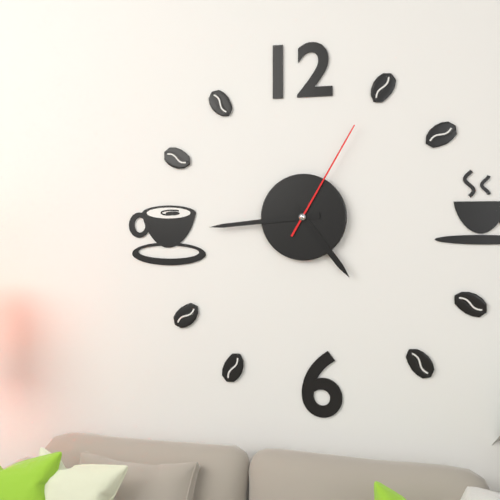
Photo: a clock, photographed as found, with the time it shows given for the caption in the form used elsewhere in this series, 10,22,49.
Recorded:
4,44,05
